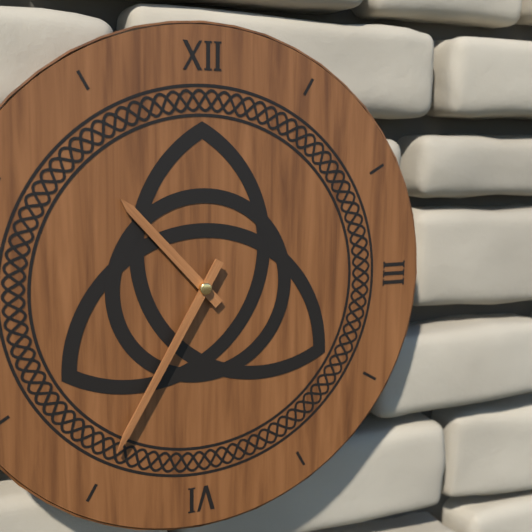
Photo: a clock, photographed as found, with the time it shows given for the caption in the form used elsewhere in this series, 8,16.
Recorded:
10,35
